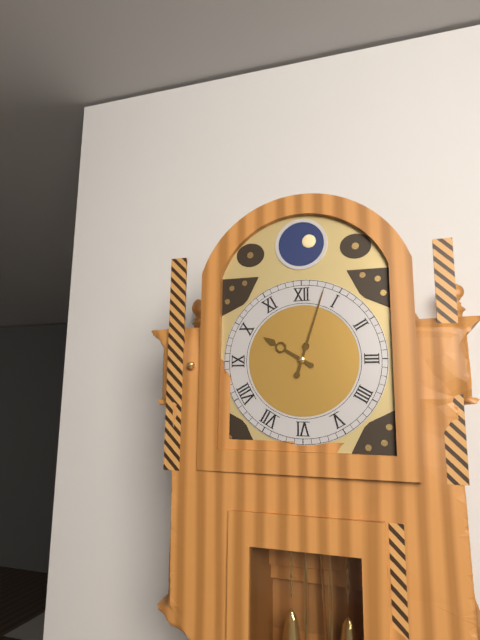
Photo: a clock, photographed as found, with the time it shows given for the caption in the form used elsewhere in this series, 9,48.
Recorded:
10,03
